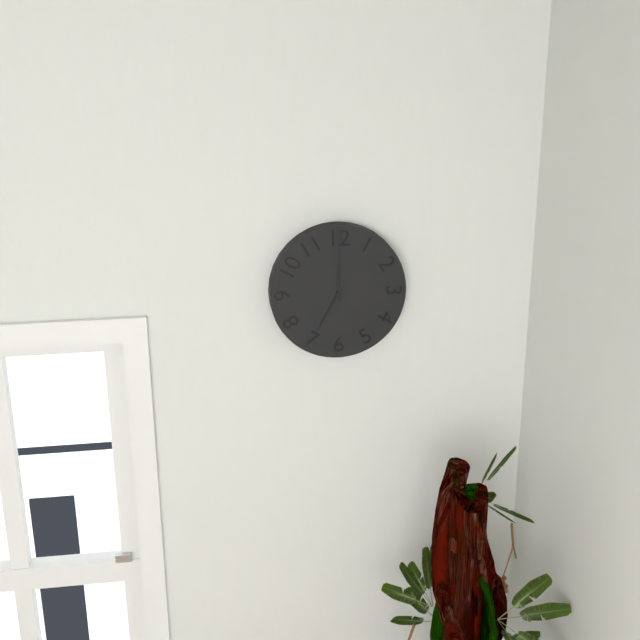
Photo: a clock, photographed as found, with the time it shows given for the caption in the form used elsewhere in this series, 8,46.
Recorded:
7,00
